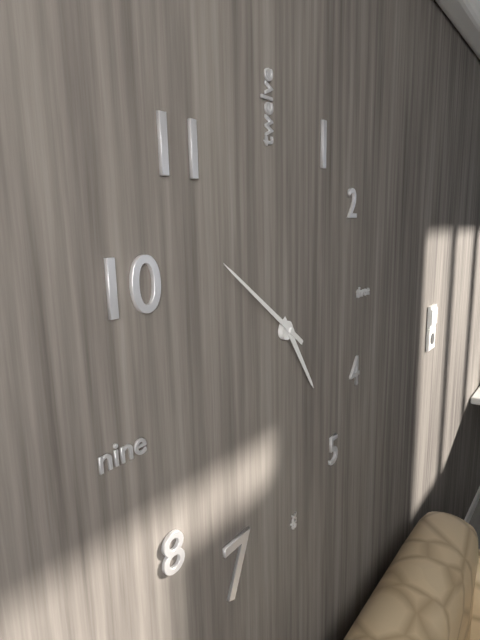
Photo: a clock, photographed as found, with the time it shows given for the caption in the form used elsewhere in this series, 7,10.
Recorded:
4,51
